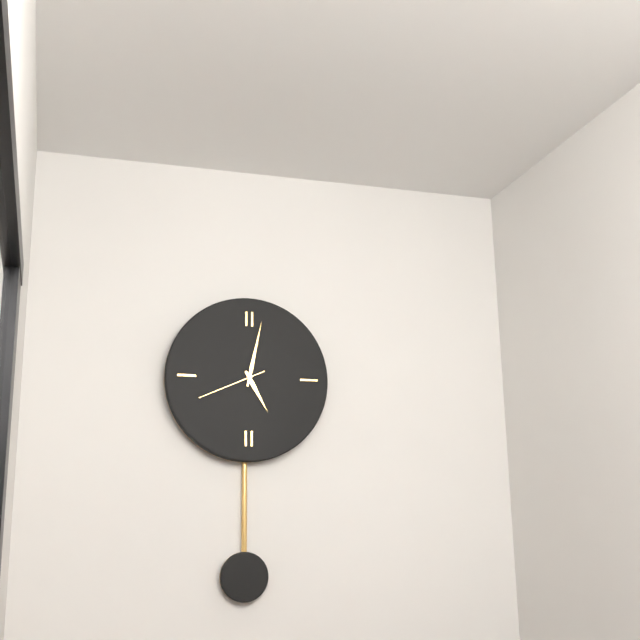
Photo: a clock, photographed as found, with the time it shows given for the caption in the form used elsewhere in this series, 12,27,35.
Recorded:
5,02,41
